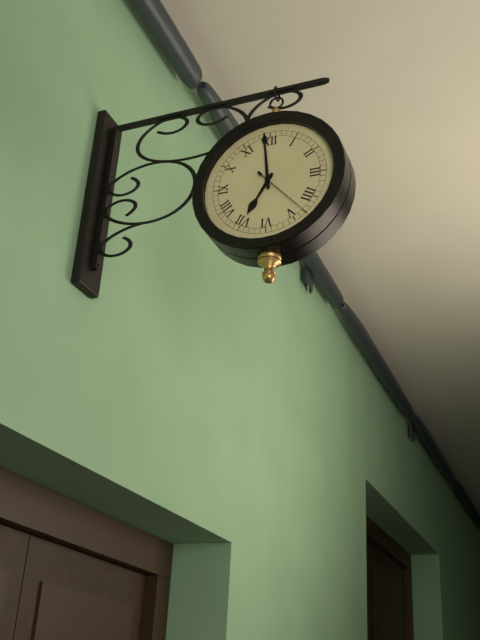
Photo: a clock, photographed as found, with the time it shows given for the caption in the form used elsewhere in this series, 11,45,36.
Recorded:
6,59,23
